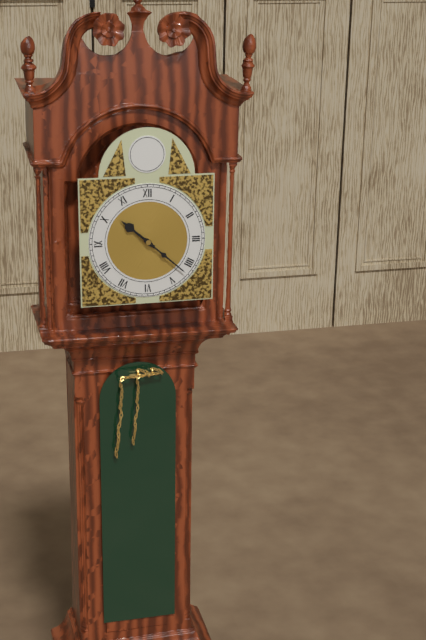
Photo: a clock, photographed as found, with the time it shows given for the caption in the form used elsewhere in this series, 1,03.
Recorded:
10,22
